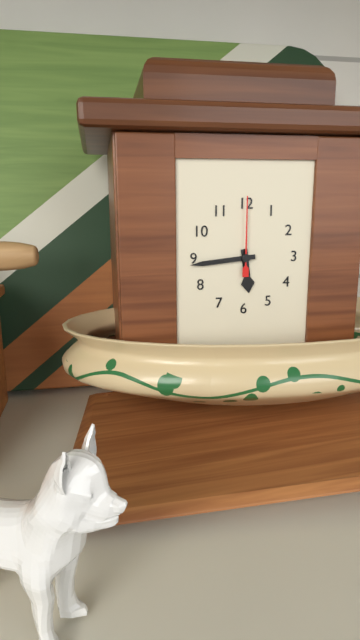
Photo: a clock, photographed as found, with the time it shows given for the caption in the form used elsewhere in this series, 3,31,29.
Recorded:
5,44,00
